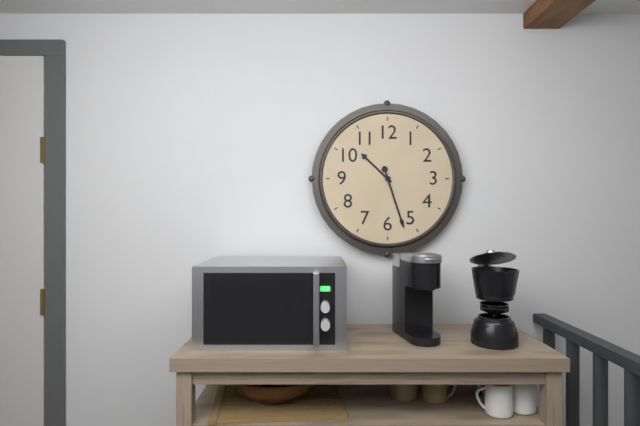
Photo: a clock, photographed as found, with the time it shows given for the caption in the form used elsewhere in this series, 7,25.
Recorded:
10,27
